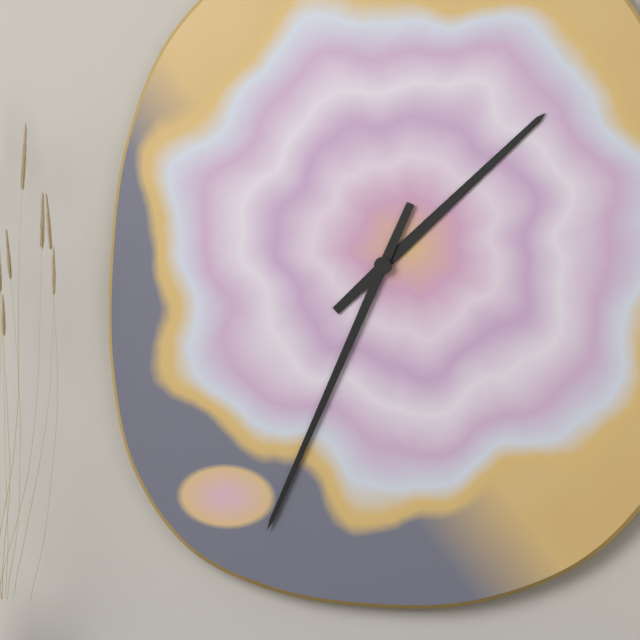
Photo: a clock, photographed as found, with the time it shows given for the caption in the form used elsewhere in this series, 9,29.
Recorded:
1,34
